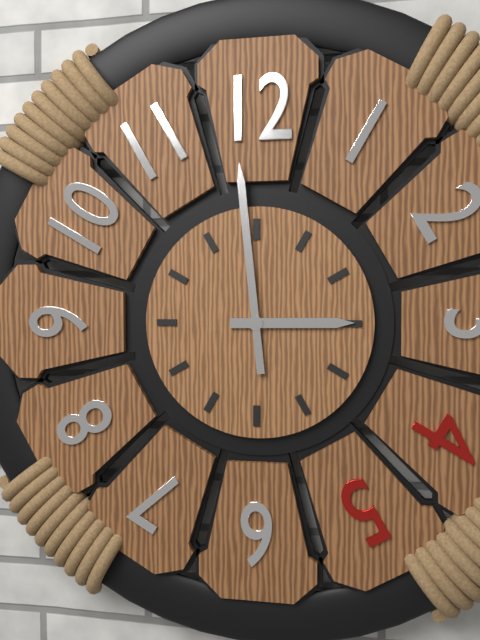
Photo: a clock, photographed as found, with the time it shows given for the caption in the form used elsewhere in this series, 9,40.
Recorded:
2,59
